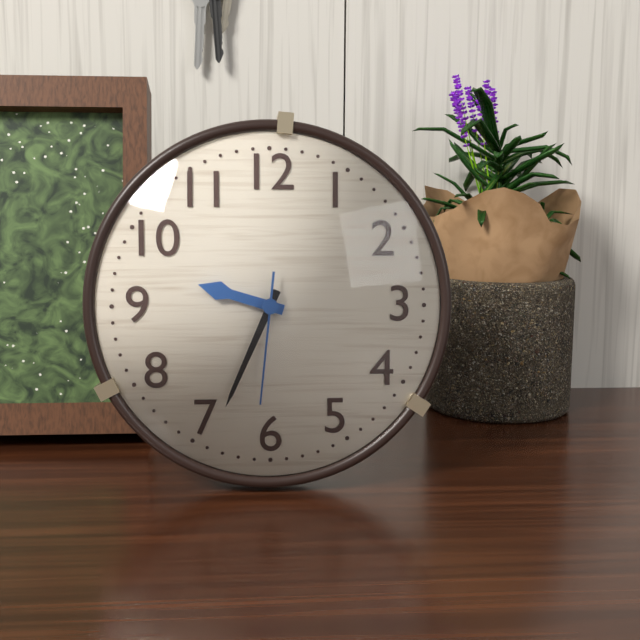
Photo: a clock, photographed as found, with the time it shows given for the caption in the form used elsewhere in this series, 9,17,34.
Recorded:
9,34,31
